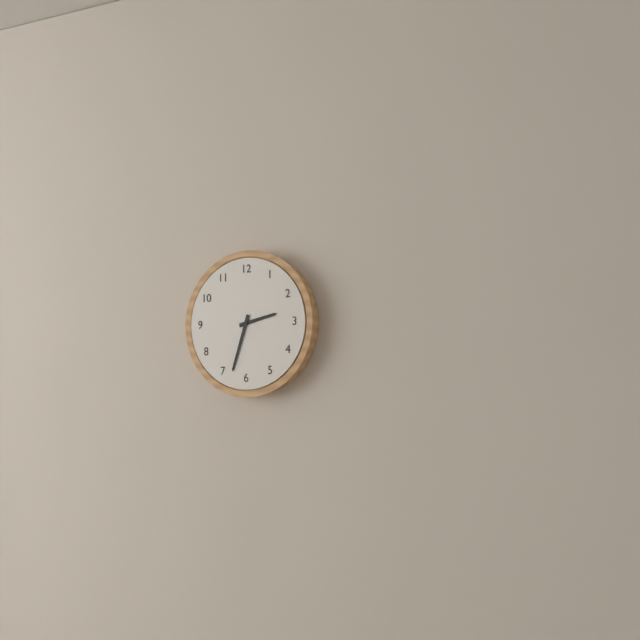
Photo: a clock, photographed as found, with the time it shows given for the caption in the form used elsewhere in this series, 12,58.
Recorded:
2,33
